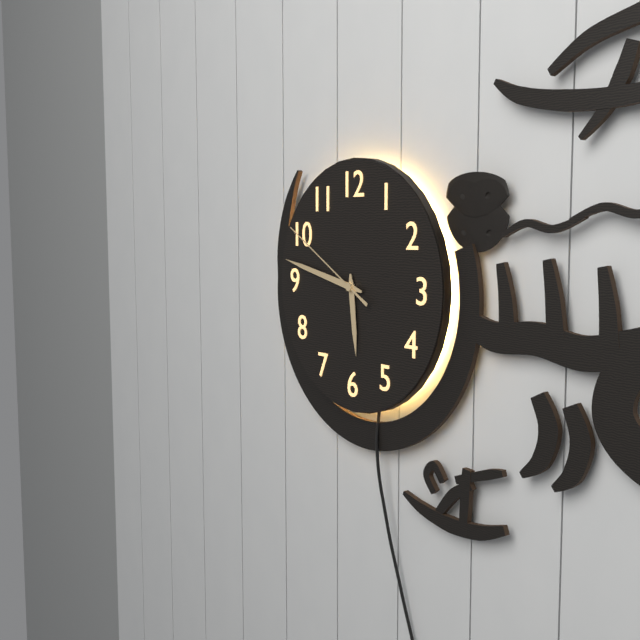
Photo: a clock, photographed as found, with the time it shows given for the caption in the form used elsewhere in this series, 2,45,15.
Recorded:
5,47,50
